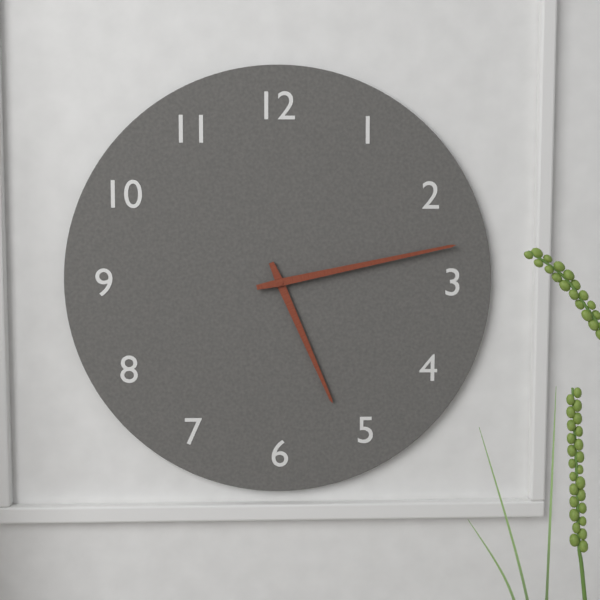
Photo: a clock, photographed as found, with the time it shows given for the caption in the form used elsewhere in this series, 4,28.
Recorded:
5,13
